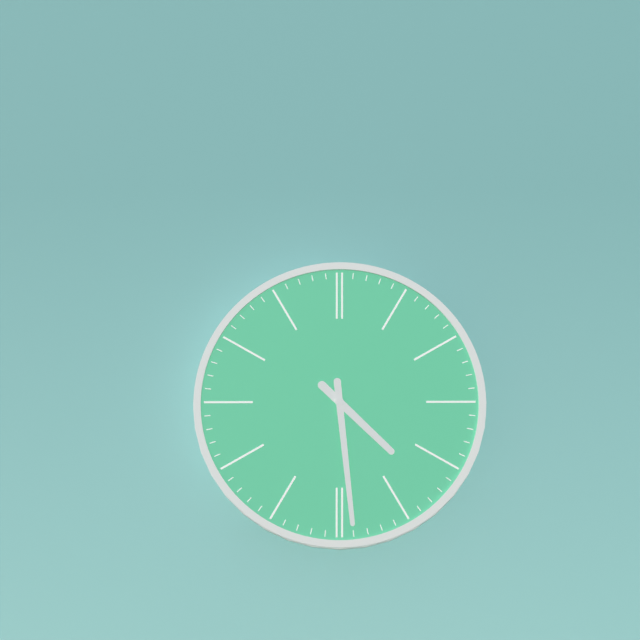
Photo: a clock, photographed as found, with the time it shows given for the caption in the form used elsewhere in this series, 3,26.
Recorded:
4,29
